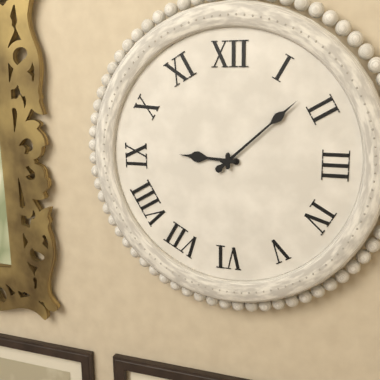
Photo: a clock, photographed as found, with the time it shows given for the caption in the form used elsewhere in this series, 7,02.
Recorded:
9,08
